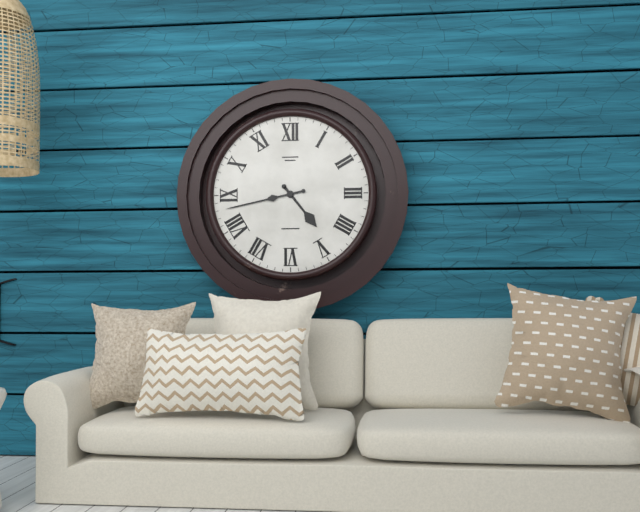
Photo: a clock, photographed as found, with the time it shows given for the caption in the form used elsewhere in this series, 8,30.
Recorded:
4,43
